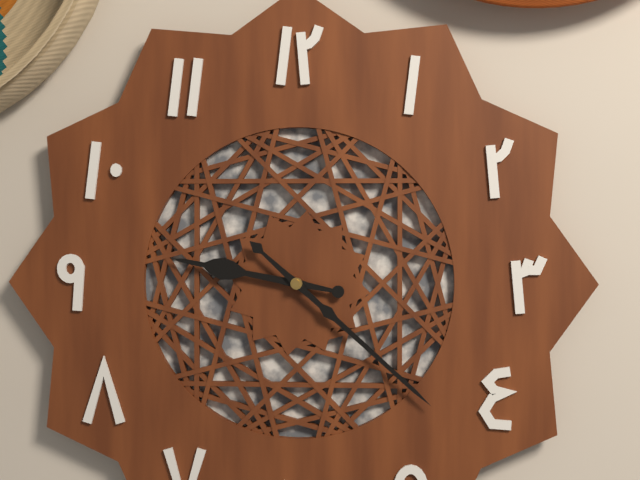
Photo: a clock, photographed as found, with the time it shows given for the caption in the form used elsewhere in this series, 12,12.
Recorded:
9,22
